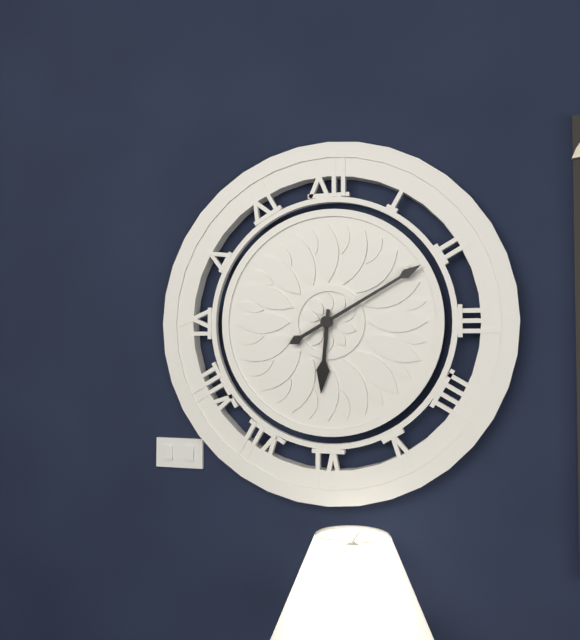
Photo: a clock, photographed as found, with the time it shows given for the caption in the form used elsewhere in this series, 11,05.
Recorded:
6,10
